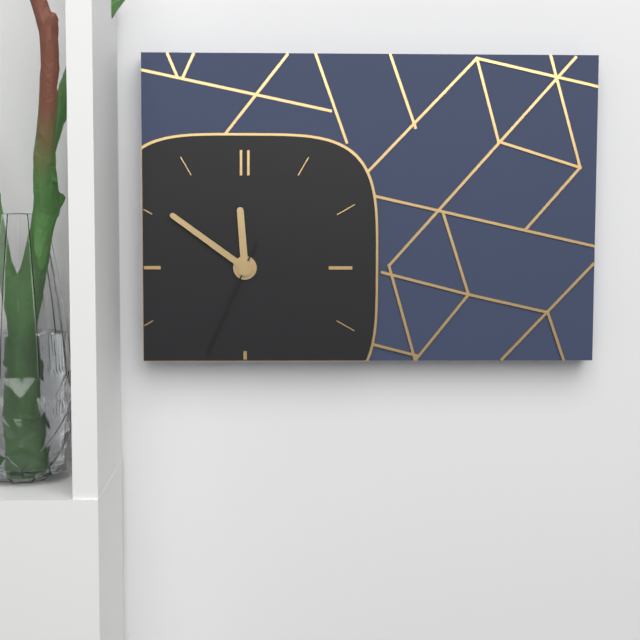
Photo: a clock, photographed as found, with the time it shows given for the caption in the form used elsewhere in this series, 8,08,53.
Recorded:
11,51,34
